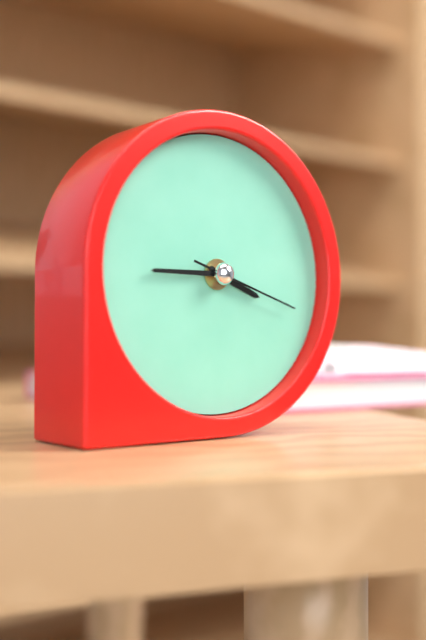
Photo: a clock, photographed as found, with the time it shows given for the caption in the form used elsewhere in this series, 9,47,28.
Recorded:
3,45,18
